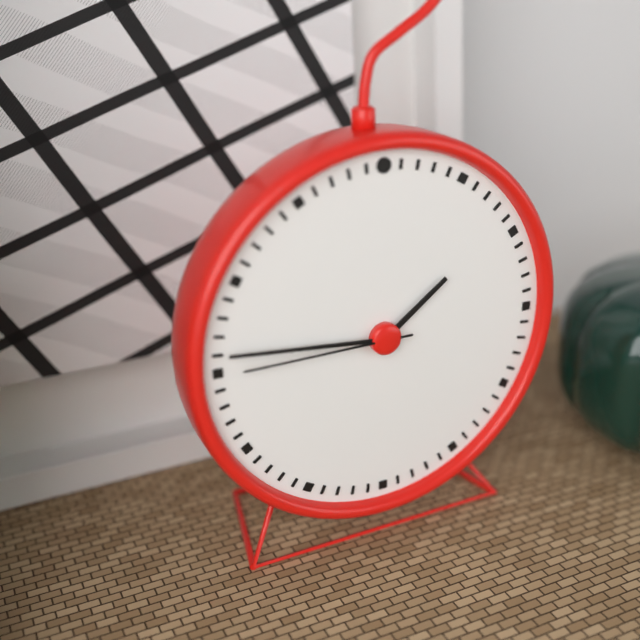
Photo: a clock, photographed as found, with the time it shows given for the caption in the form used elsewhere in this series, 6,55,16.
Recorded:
1,46,45
